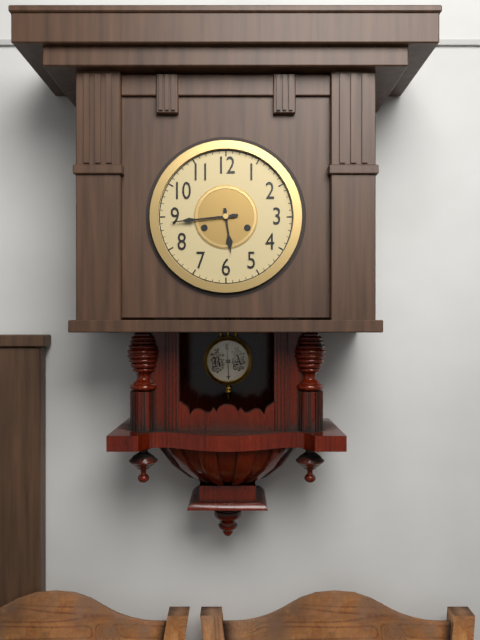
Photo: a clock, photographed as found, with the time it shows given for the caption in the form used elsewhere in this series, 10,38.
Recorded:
5,44
